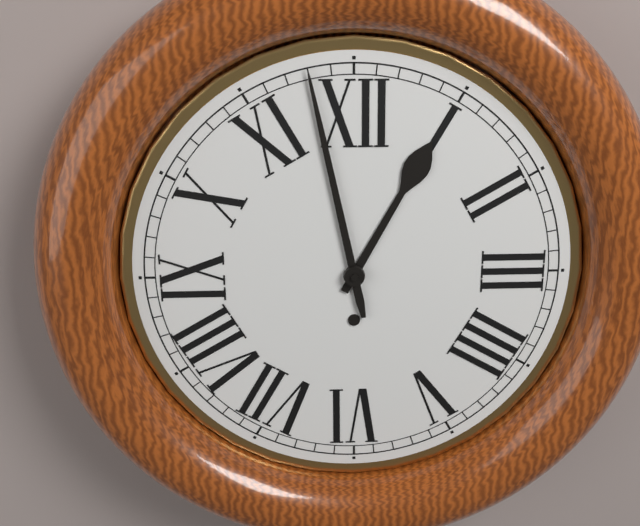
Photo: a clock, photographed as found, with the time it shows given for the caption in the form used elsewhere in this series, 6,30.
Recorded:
12,58
